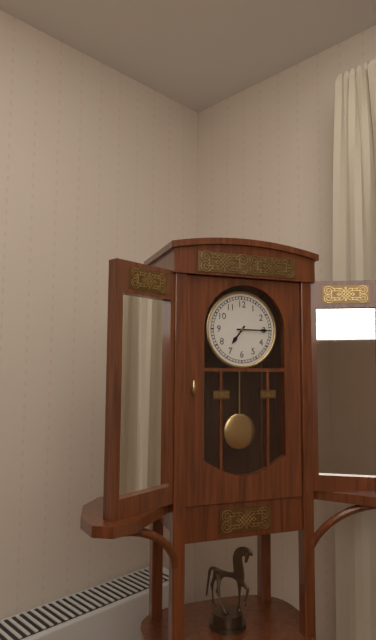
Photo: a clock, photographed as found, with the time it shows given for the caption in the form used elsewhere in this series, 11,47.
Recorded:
7,15
